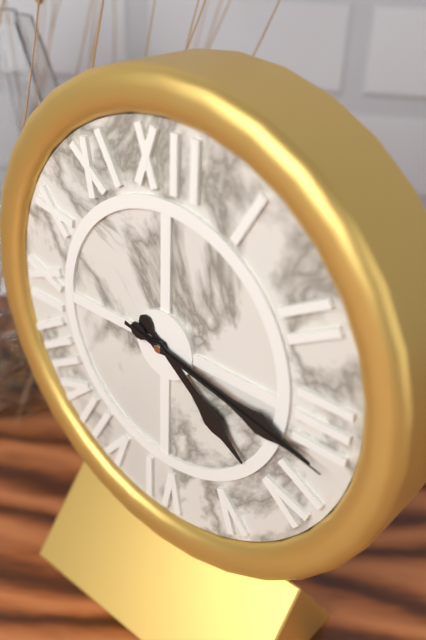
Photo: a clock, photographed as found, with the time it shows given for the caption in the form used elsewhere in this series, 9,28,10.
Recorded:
4,17,17
